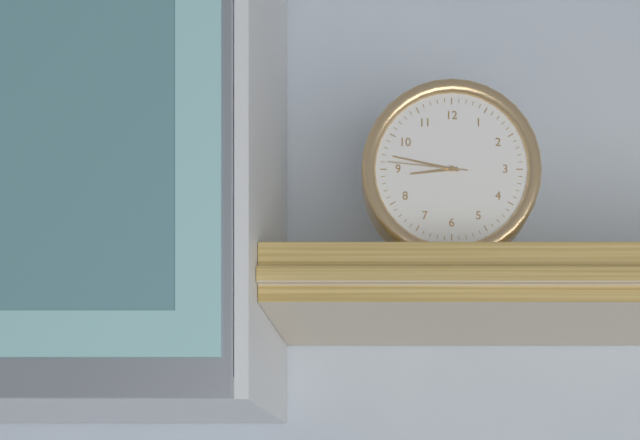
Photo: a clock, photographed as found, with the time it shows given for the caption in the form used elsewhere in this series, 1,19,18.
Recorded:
8,47,46
